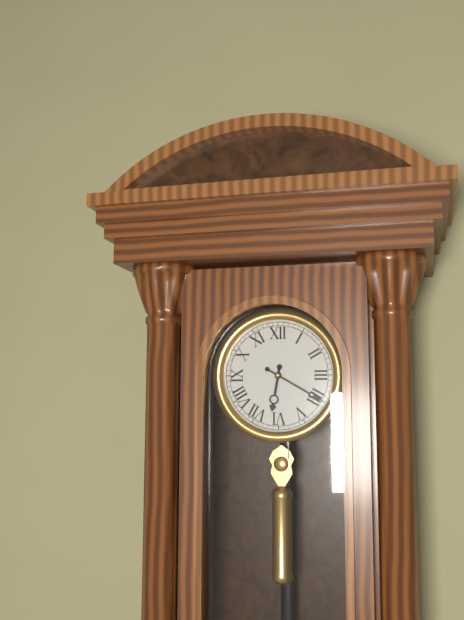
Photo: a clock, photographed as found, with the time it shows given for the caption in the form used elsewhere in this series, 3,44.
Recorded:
6,20
